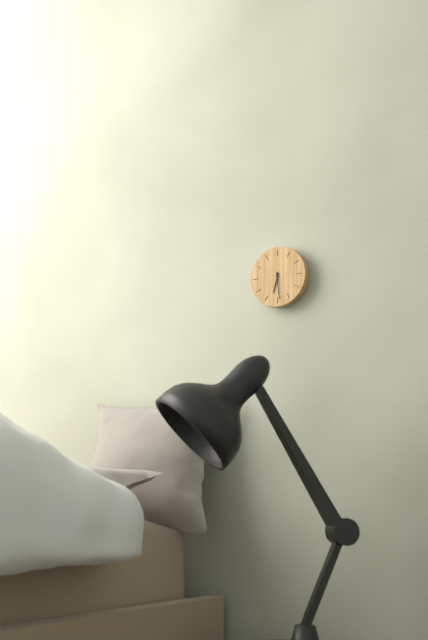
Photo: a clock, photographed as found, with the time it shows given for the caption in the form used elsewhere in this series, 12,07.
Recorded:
6,29
